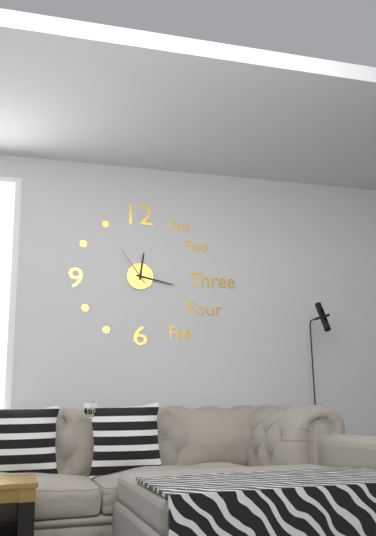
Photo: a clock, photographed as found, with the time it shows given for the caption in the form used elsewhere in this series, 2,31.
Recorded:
12,17
